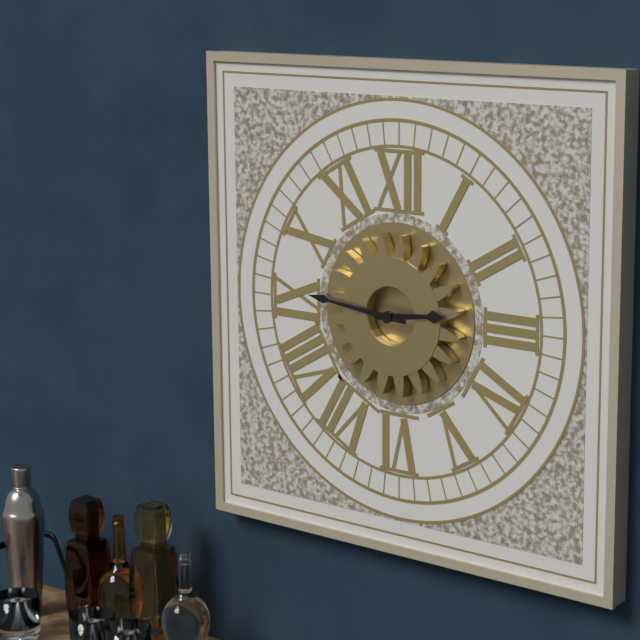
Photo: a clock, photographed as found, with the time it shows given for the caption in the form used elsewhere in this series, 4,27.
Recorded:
2,46
